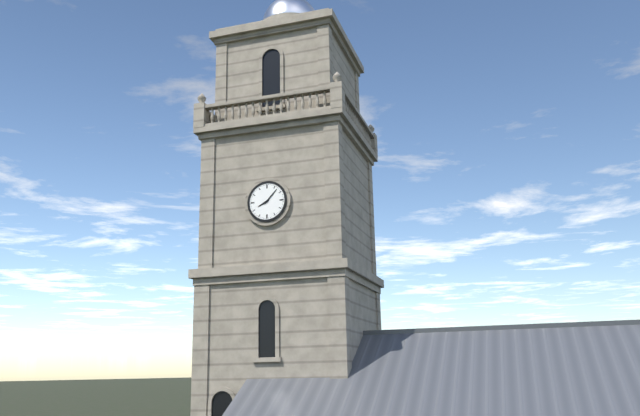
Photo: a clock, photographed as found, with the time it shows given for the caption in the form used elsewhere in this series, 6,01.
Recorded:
8,07
